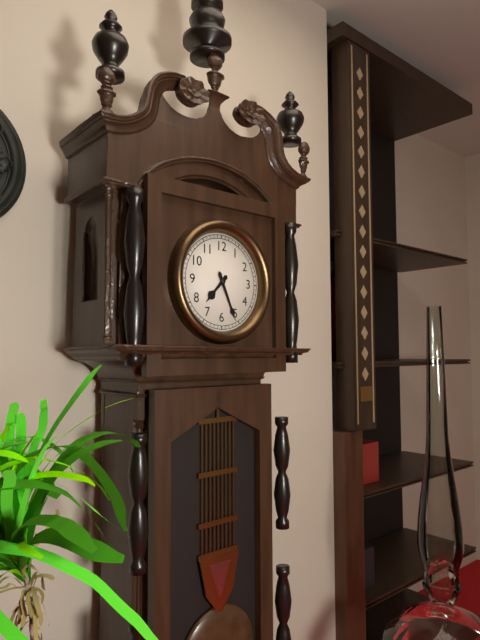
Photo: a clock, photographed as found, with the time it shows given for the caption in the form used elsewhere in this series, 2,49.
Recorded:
7,26
